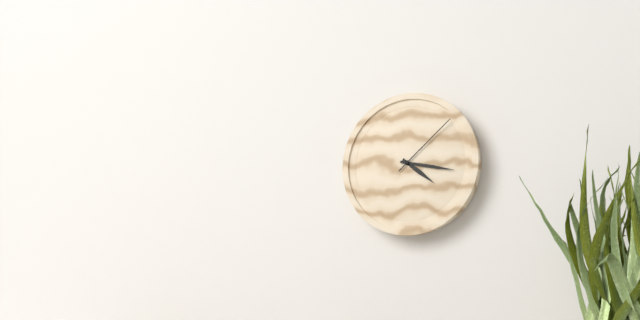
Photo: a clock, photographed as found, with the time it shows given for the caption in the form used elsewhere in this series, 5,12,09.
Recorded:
4,17,08
